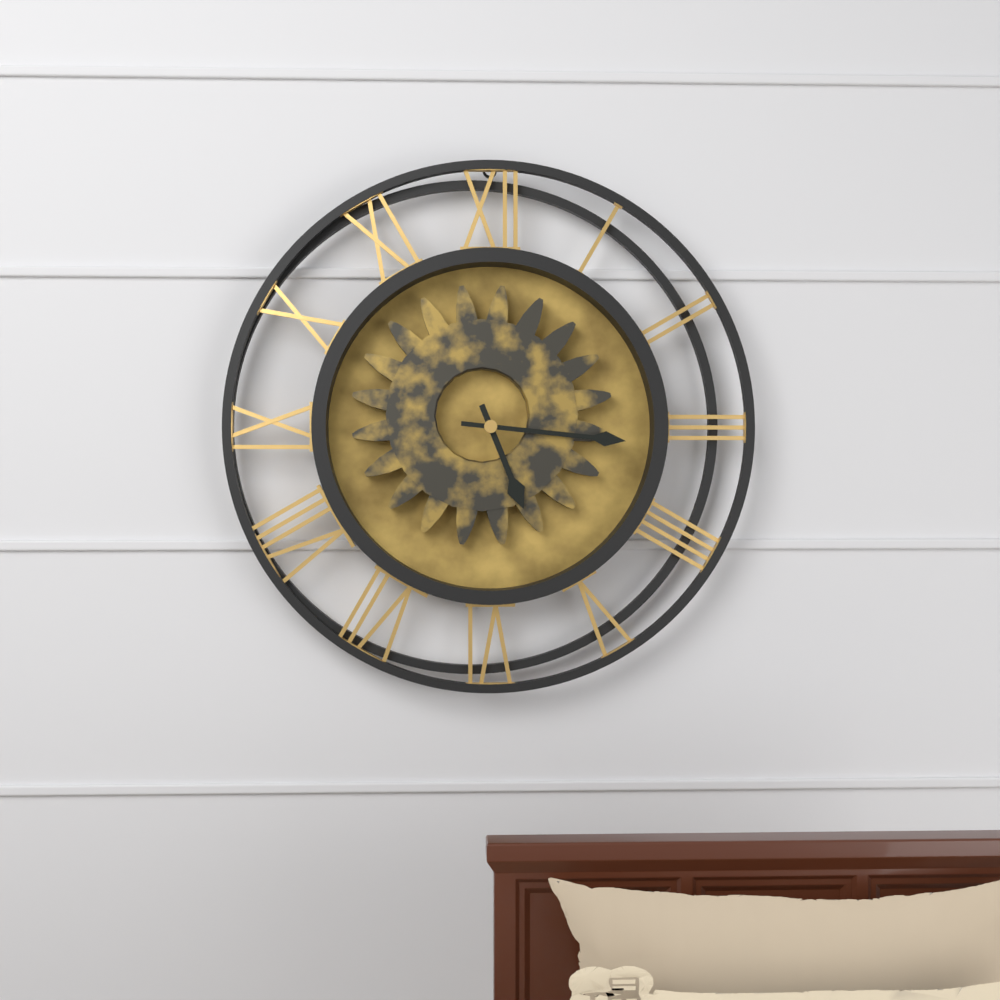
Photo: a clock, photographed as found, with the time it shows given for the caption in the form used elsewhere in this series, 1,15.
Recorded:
5,16
